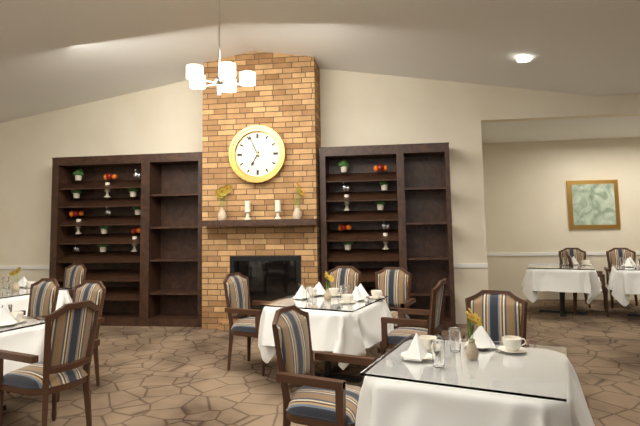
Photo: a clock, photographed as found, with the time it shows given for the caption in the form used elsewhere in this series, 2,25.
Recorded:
6,56
